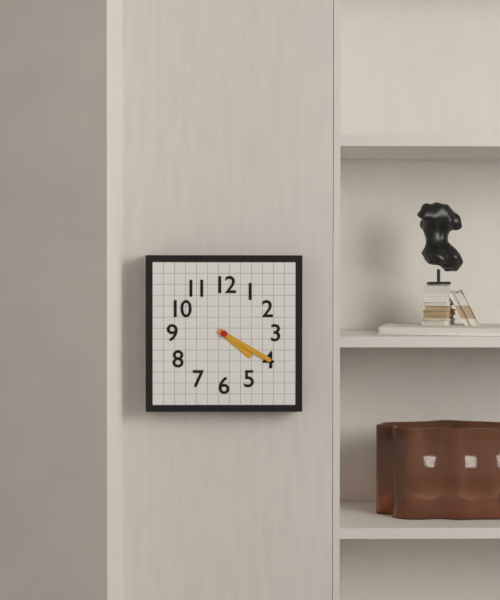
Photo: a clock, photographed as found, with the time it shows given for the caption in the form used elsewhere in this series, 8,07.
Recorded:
4,20
